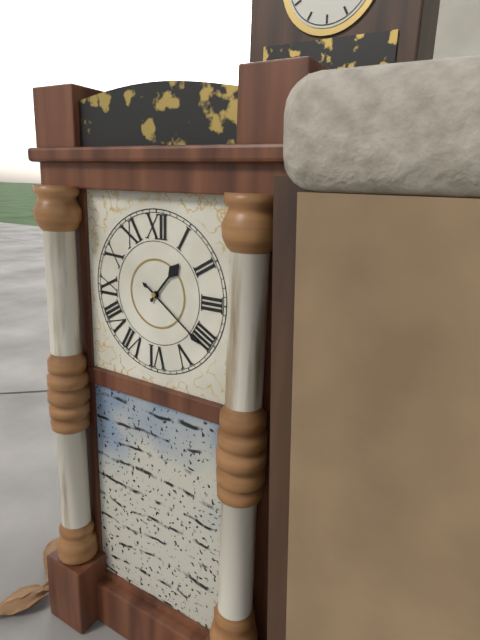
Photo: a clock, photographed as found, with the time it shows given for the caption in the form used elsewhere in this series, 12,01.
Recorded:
1,21
